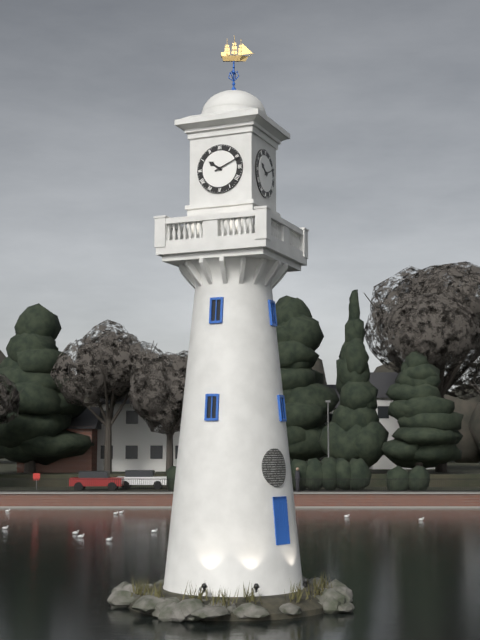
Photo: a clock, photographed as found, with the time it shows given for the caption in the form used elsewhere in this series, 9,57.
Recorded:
10,11
